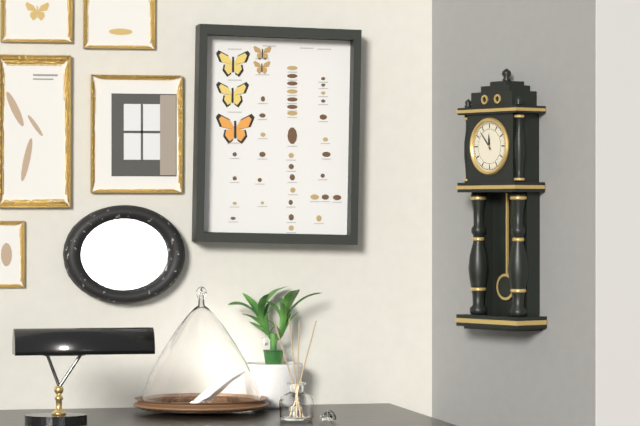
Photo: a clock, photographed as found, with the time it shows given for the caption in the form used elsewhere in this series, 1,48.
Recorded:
11,53
